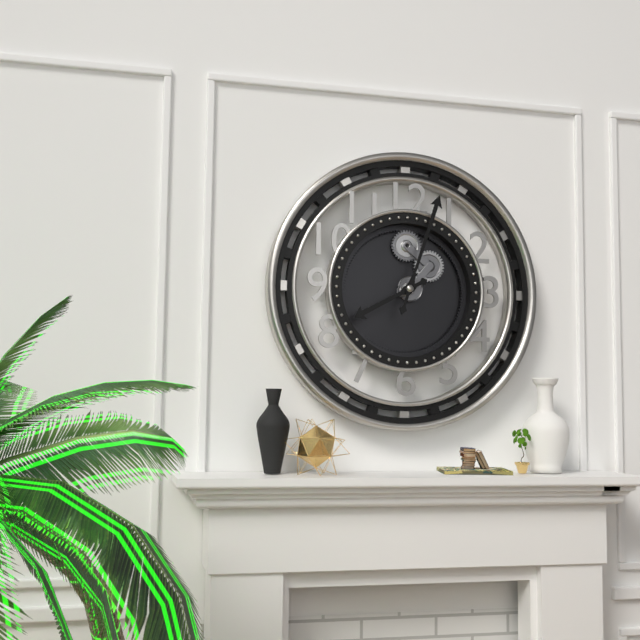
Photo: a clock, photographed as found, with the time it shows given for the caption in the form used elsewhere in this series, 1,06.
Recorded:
8,03
